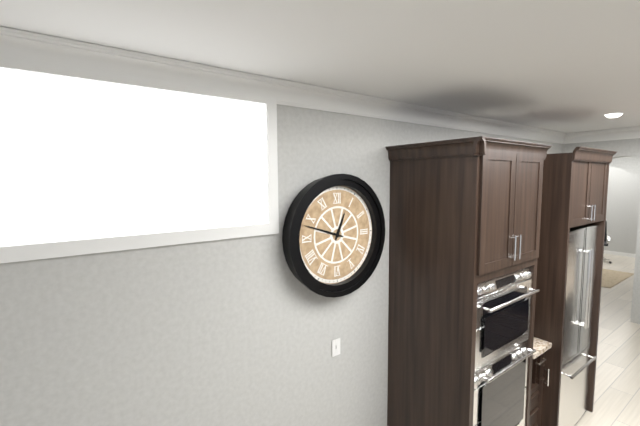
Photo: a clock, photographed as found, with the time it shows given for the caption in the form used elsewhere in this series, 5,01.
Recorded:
12,48
